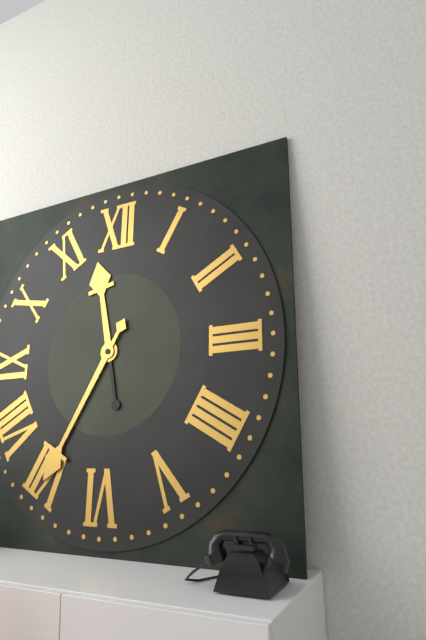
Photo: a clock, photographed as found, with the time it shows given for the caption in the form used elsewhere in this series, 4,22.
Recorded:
11,35
